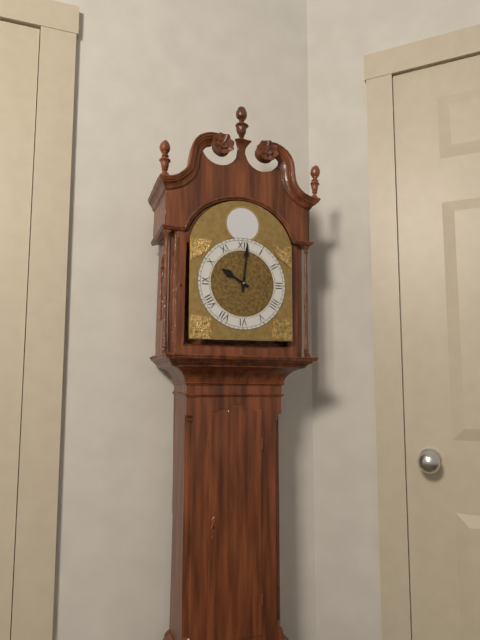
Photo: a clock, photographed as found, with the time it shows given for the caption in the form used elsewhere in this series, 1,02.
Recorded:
10,01
